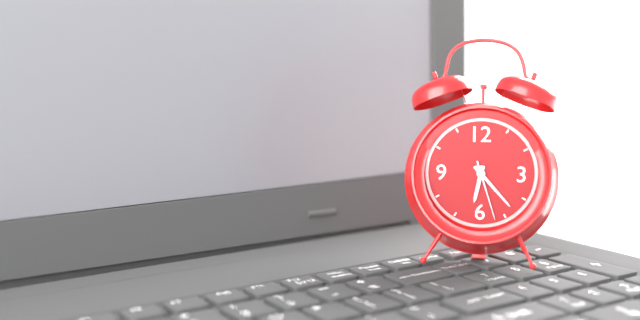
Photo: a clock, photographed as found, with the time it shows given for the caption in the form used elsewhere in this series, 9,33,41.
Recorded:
6,23,27
